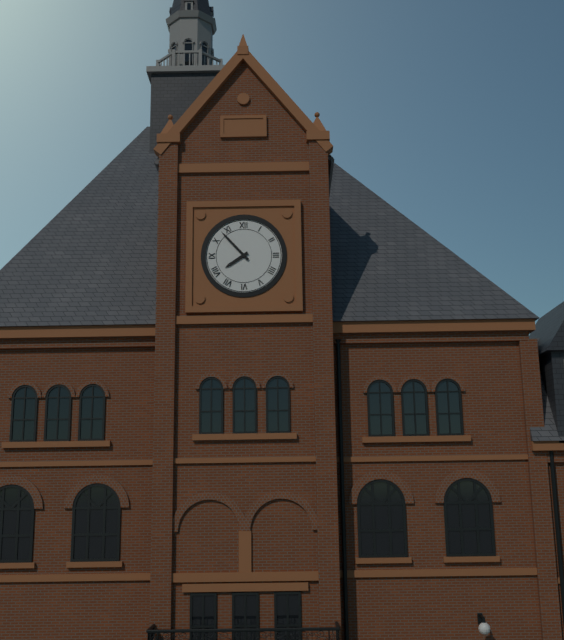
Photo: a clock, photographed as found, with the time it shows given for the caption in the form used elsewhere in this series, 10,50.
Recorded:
7,53
